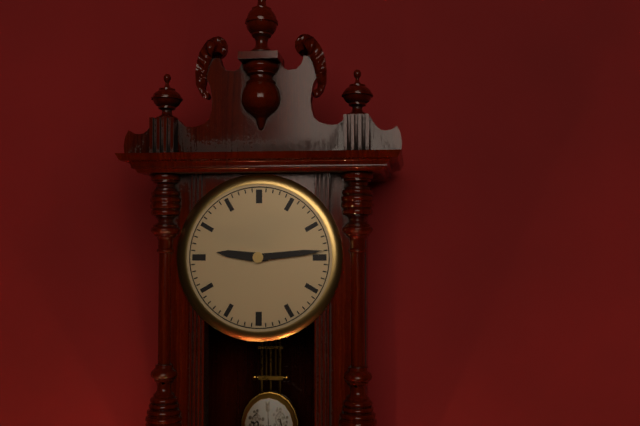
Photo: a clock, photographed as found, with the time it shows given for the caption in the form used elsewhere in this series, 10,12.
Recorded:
9,14
